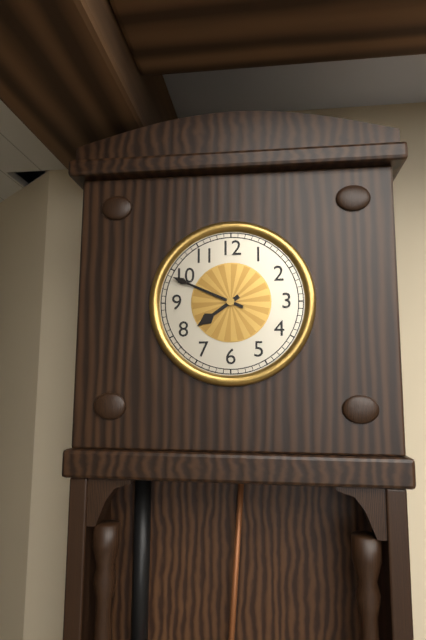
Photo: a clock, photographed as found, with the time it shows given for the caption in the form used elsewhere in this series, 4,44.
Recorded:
7,49
